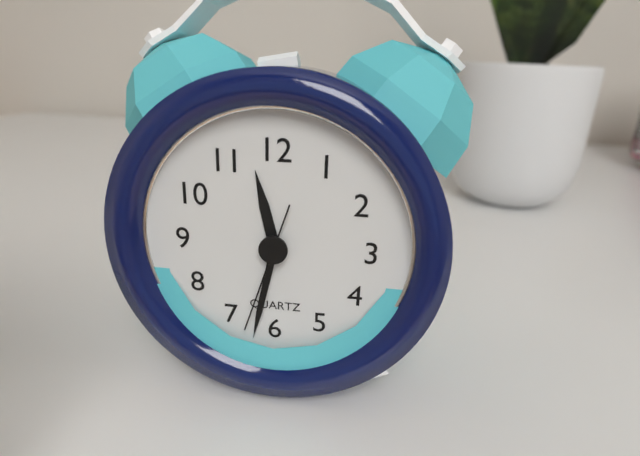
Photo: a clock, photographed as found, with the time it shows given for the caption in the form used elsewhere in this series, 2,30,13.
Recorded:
11,32,33
